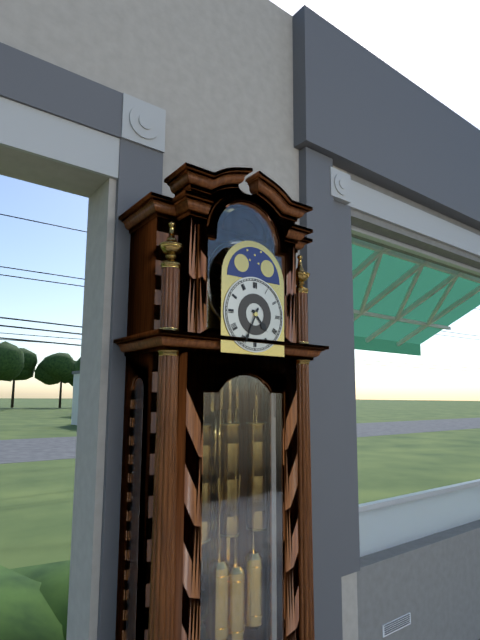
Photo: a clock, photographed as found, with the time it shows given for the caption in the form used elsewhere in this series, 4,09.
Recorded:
4,34
